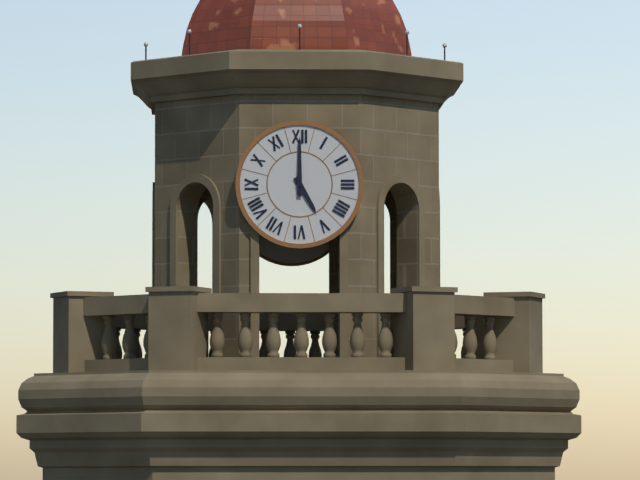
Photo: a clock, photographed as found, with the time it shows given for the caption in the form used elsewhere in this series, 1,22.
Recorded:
5,00
